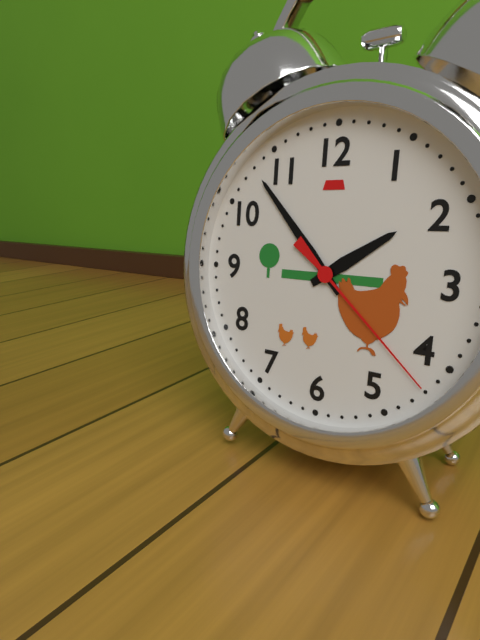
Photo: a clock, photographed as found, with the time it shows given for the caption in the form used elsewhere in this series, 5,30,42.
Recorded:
1,53,22
